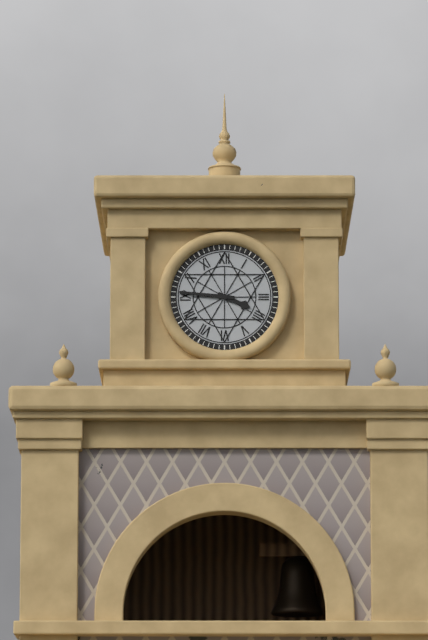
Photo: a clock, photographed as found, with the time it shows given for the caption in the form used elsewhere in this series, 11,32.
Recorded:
3,46
